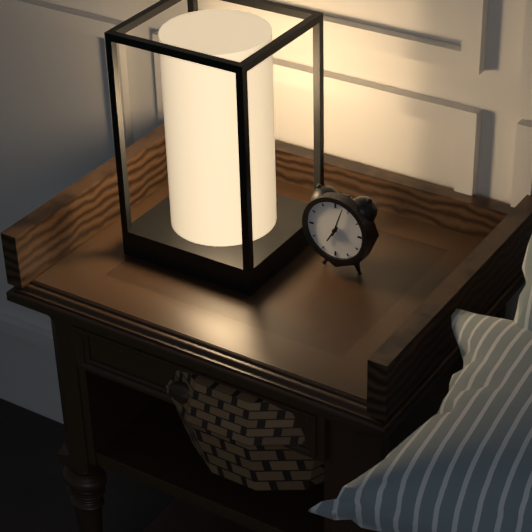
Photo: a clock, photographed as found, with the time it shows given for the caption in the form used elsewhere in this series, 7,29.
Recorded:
7,03
